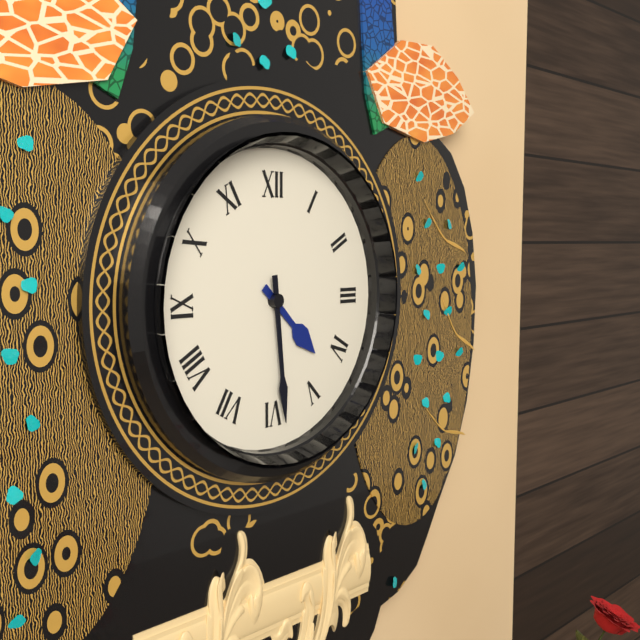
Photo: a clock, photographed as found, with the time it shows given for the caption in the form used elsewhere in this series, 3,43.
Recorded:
4,29
